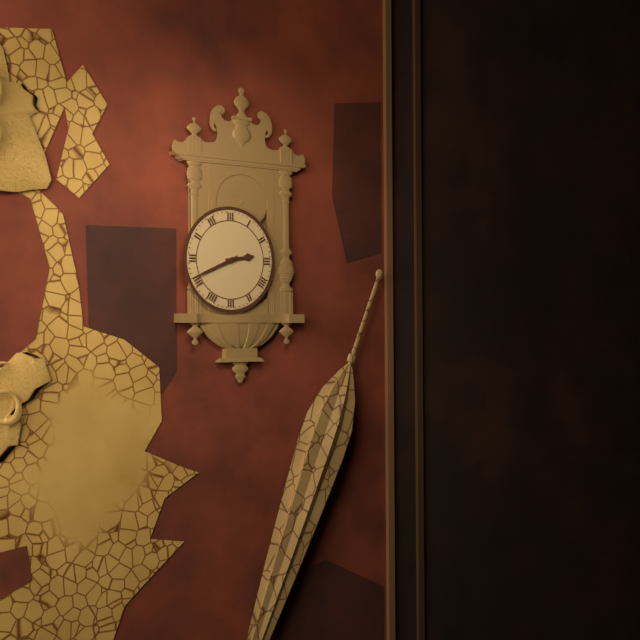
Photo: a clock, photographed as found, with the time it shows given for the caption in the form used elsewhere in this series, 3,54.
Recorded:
2,41
